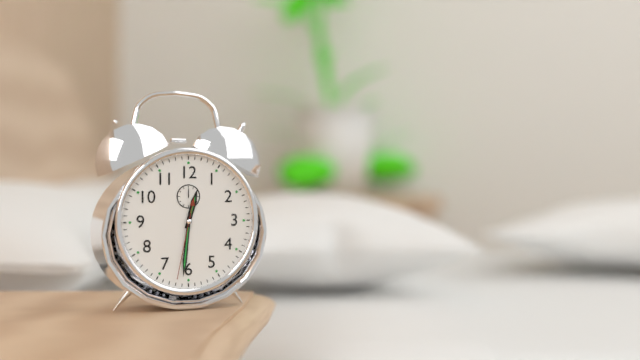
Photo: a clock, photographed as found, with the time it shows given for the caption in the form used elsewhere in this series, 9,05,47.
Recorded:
12,31,32
